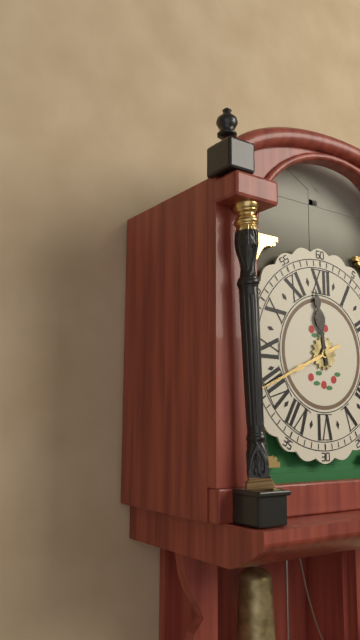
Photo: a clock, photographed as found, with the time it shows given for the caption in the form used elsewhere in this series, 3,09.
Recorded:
11,41
